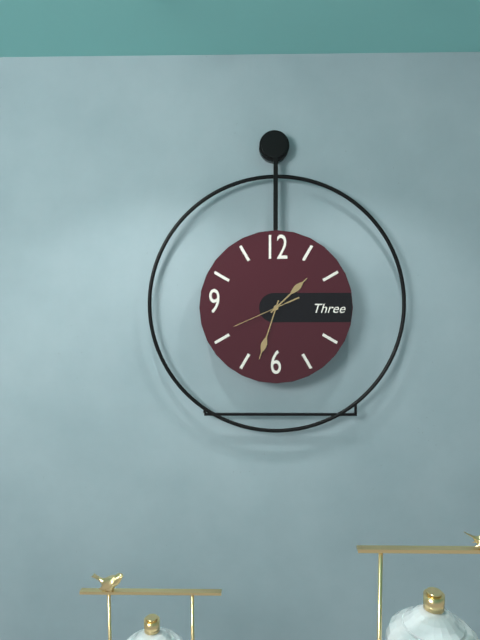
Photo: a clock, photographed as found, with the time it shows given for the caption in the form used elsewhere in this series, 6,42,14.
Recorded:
1,33,41
